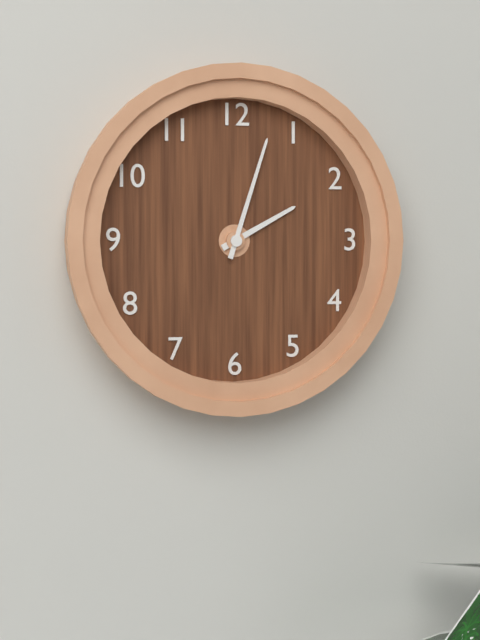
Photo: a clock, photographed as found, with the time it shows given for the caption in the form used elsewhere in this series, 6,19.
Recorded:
2,03
